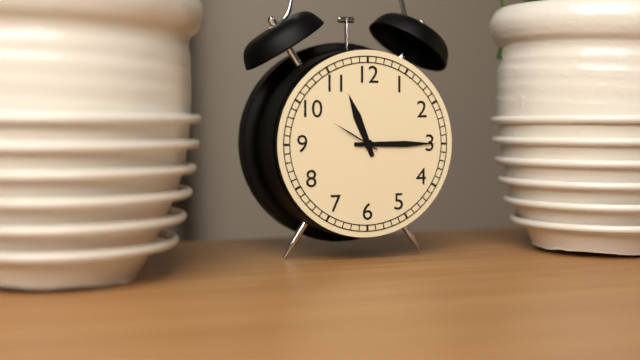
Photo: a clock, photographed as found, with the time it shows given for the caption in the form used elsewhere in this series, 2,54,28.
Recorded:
11,15,50
